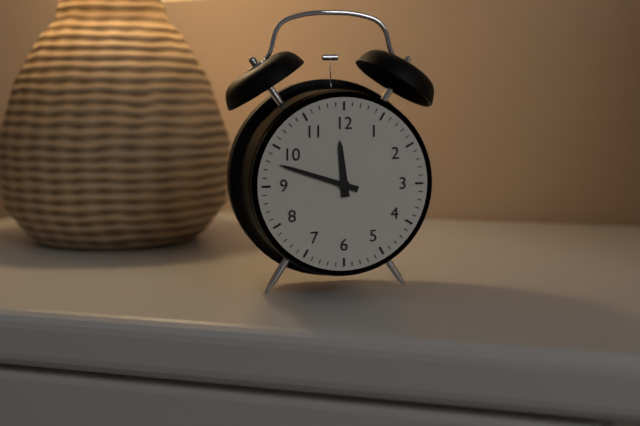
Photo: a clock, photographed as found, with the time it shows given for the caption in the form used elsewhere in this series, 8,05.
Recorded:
11,48
